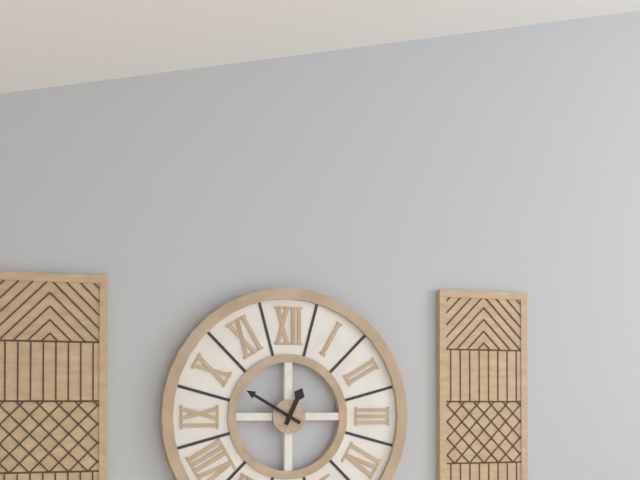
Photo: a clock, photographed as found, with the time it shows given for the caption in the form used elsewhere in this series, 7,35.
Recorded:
12,50
